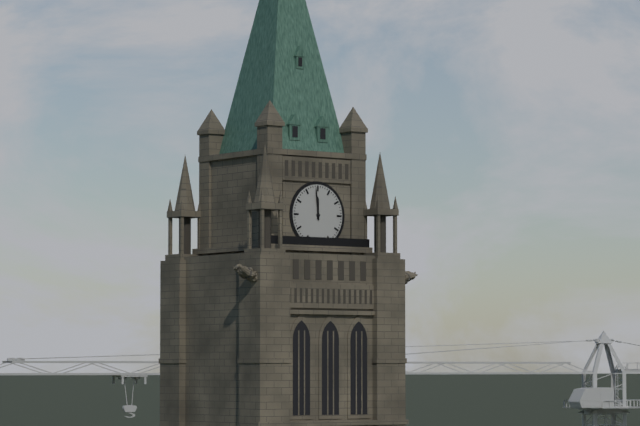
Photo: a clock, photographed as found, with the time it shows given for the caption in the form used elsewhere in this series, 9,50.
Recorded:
11,59
